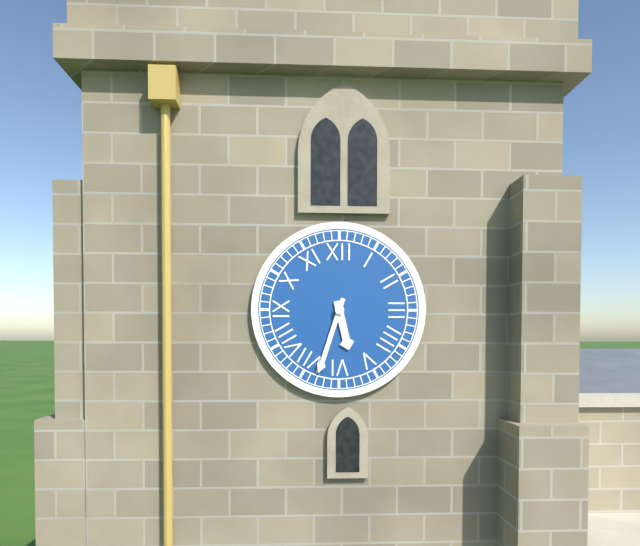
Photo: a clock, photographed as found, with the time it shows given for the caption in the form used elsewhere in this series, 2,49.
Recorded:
5,33
